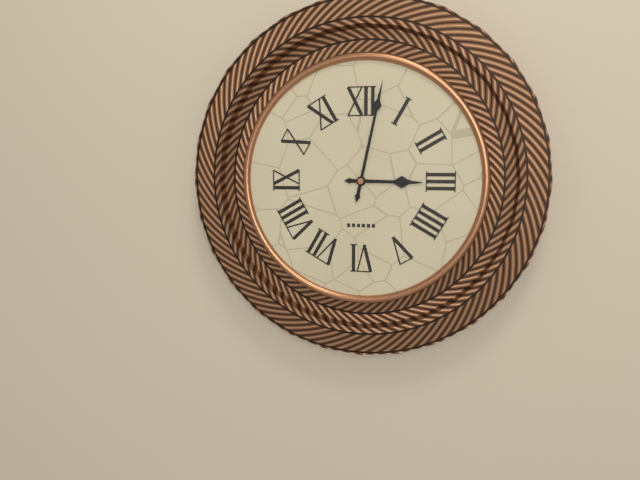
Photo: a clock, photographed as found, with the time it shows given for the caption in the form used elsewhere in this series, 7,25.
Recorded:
3,02
